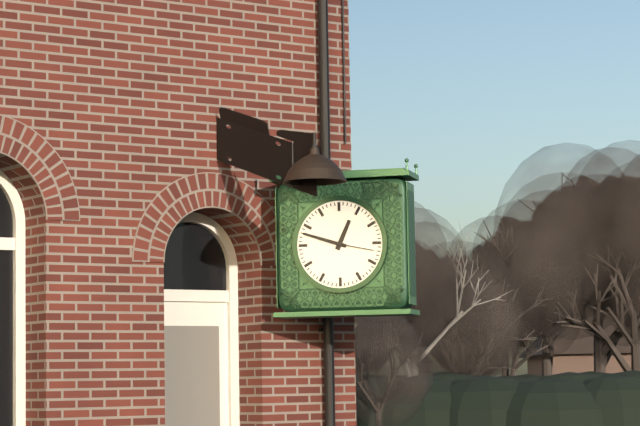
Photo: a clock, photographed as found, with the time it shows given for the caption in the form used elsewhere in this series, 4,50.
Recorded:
12,48
